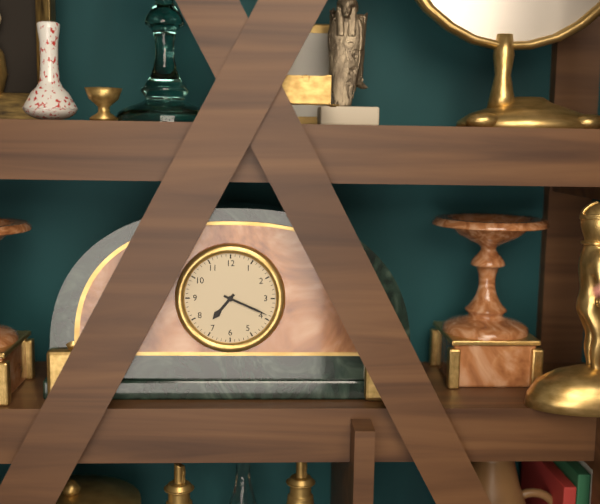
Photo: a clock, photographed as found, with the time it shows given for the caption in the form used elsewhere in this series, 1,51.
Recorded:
7,19
